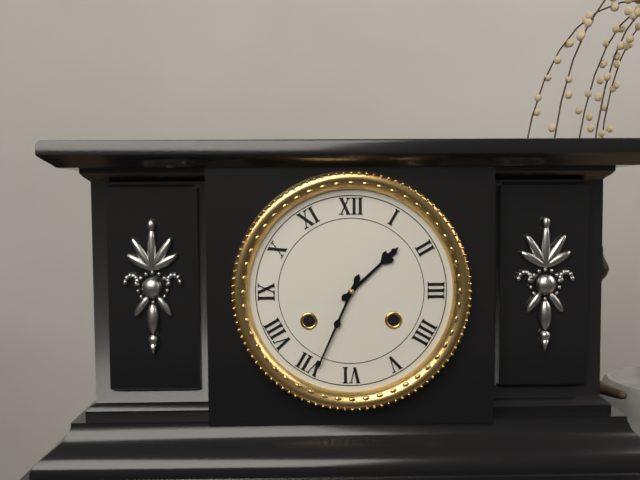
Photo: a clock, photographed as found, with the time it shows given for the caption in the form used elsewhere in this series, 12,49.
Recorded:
1,34
